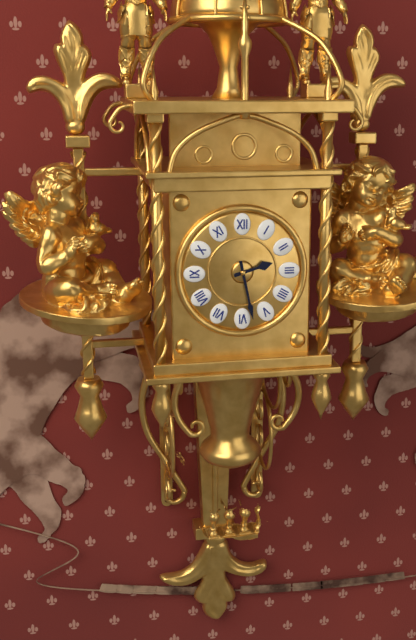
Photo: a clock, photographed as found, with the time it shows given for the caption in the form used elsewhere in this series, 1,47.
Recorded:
2,28
